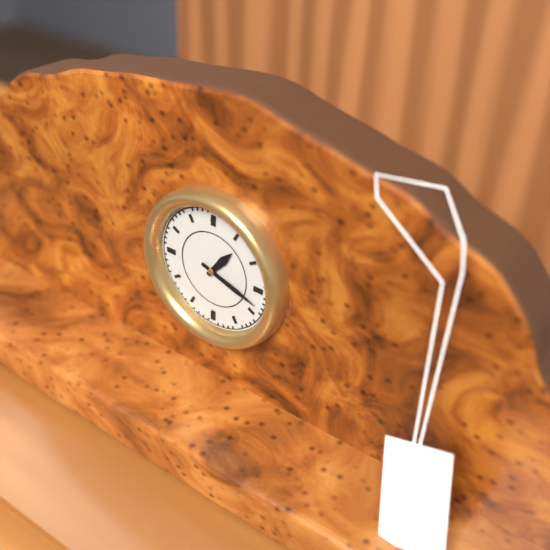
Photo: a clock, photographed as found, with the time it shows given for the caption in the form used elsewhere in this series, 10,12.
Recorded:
1,18
